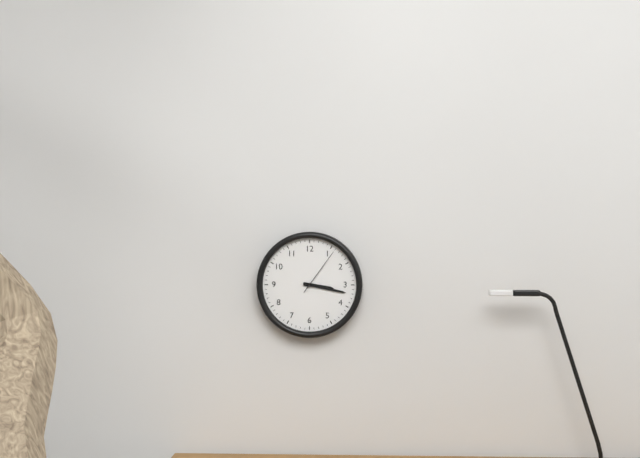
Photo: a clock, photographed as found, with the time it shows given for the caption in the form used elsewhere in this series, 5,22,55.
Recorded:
3,17,06
